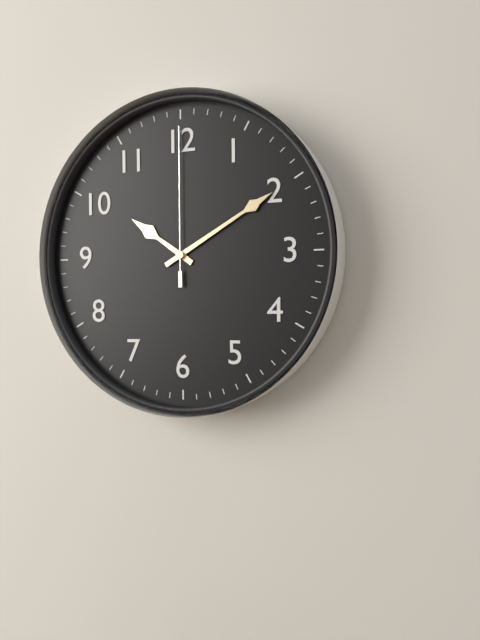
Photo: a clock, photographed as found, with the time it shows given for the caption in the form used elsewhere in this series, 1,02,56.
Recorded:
10,10,00
